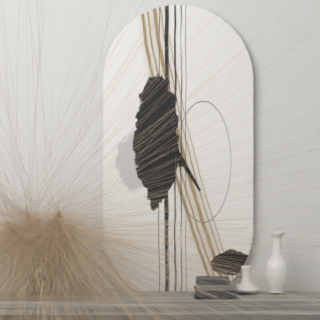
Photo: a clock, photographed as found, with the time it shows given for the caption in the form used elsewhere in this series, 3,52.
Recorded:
4,58
